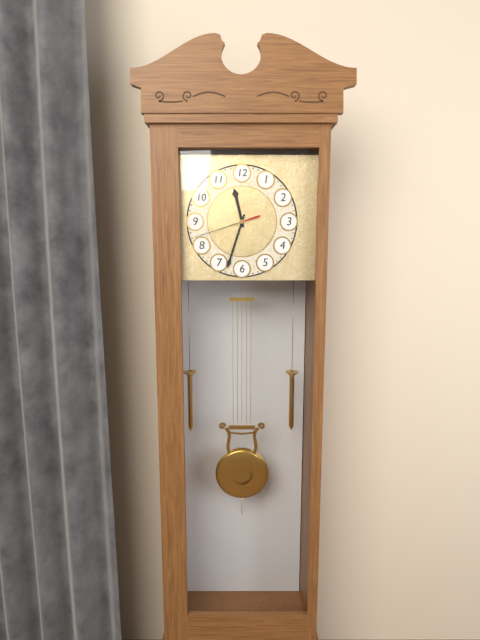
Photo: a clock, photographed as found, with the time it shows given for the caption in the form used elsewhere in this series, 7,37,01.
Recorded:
11,33,42
